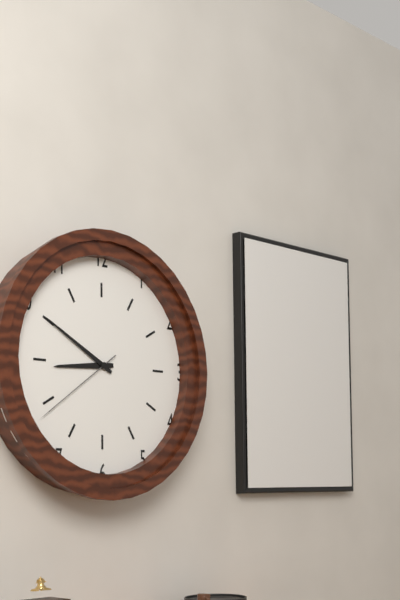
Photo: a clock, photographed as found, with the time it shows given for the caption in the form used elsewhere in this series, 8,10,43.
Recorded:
8,50,39
